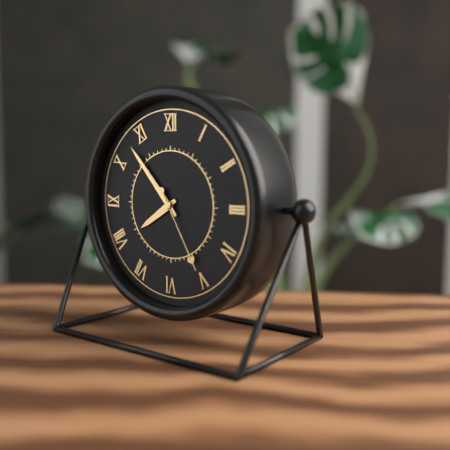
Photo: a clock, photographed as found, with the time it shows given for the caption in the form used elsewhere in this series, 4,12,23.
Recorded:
7,53,25
